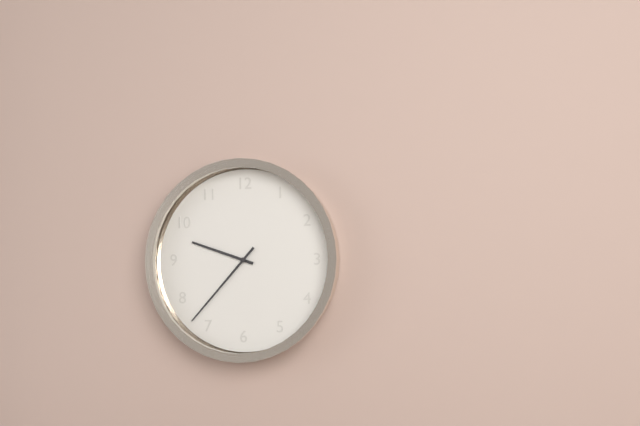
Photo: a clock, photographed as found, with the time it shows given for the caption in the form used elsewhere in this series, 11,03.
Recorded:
9,37
